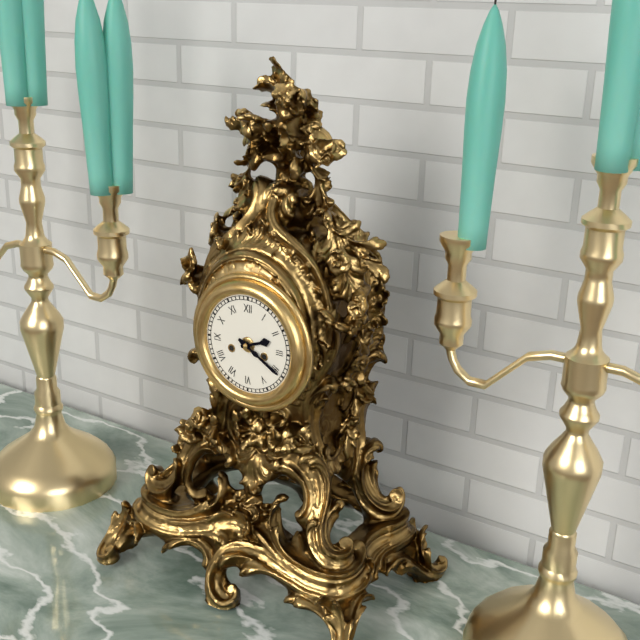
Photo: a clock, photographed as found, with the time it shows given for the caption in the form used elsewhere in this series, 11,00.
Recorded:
2,20
